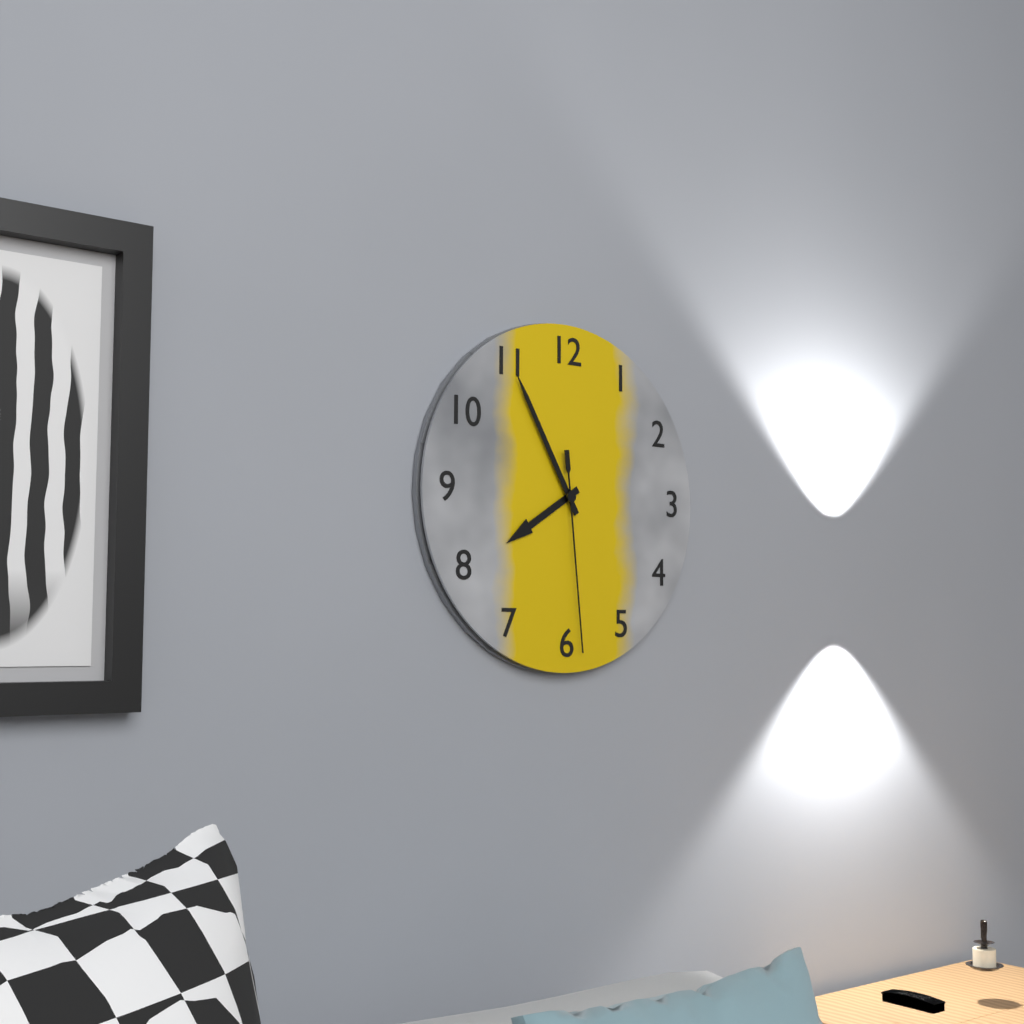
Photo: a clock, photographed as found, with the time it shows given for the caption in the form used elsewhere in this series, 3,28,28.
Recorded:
7,55,29
